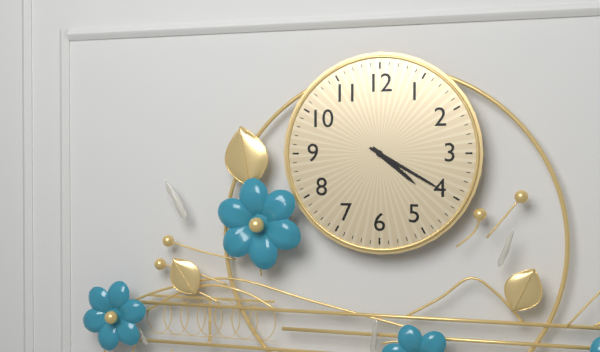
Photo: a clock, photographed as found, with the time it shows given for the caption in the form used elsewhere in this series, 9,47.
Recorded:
4,20
